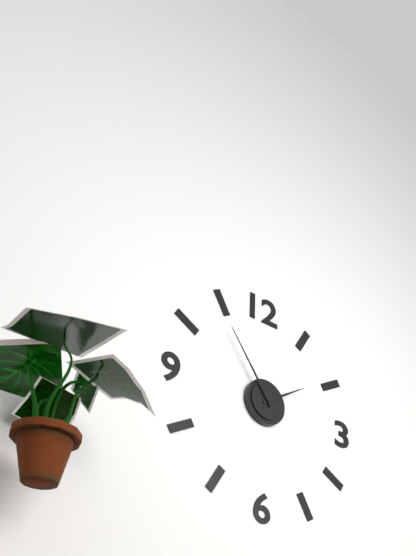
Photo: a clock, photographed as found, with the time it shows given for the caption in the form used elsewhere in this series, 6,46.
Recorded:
1,54
